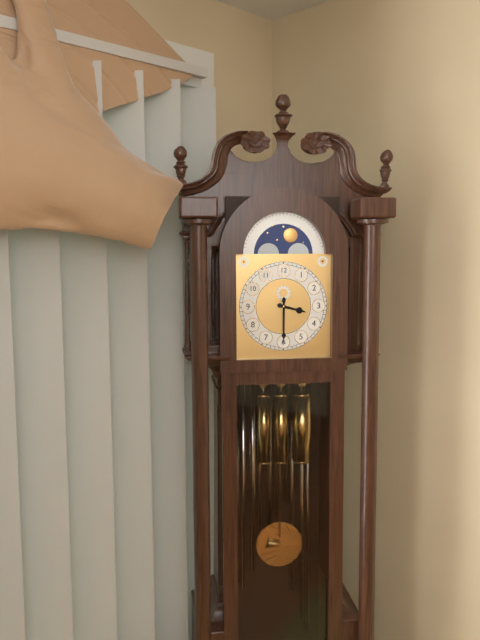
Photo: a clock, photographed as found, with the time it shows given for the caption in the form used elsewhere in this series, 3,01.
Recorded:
3,30
